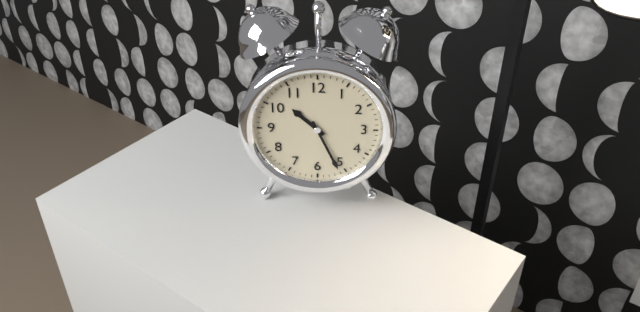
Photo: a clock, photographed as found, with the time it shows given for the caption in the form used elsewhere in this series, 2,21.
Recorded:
10,26
